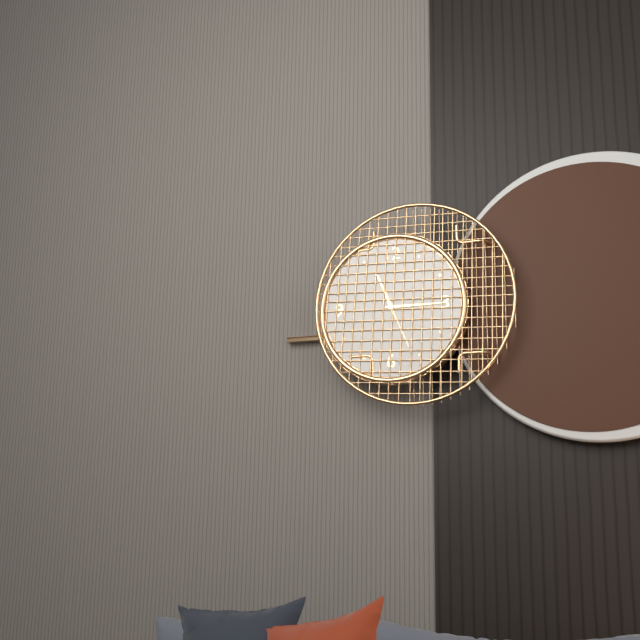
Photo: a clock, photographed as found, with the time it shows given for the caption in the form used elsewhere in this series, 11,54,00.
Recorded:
11,15,26
